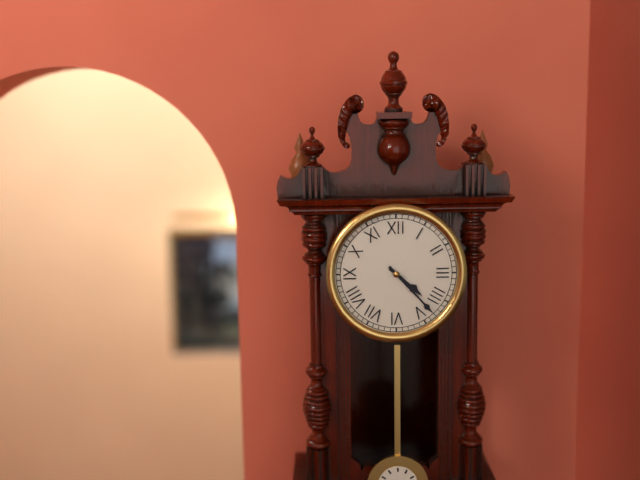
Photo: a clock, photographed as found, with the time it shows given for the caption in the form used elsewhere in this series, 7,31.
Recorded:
4,23
